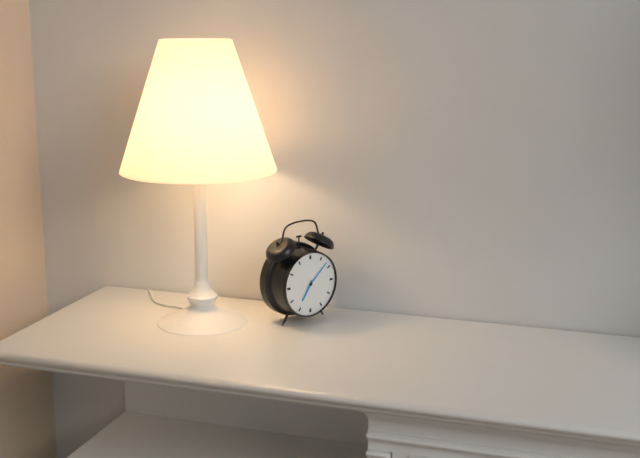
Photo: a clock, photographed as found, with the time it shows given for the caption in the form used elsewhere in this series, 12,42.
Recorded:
7,08
